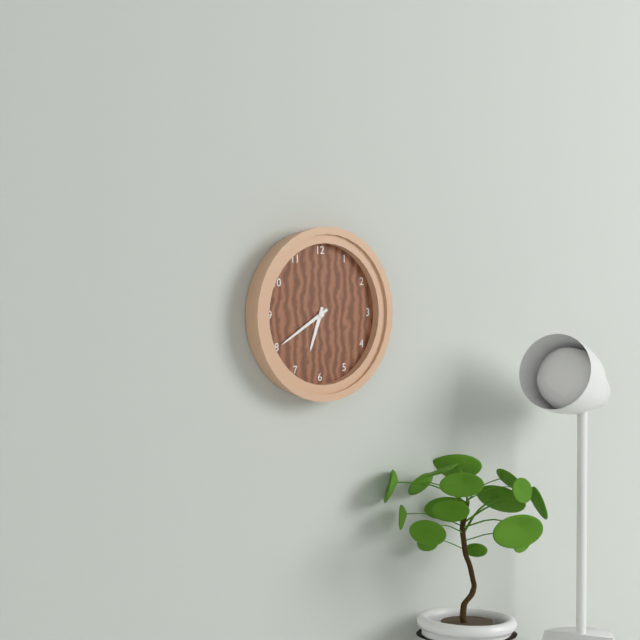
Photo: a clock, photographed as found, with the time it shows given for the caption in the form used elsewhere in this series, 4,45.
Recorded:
6,40
